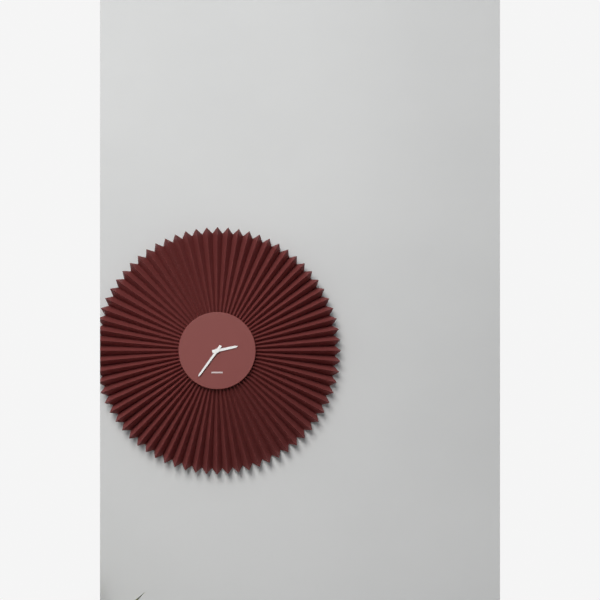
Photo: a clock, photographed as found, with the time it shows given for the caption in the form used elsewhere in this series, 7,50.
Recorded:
2,36
